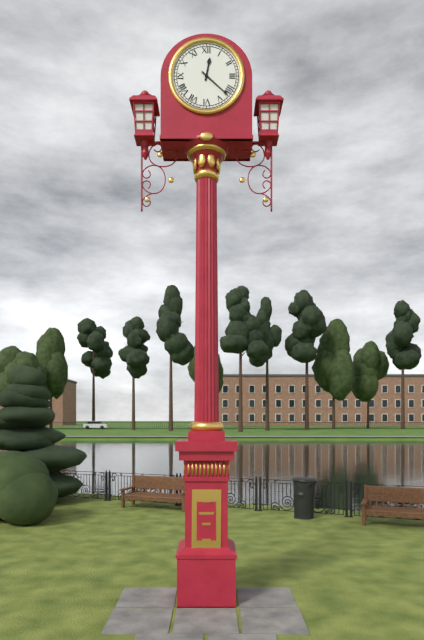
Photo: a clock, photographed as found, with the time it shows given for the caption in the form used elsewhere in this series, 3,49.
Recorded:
12,22
